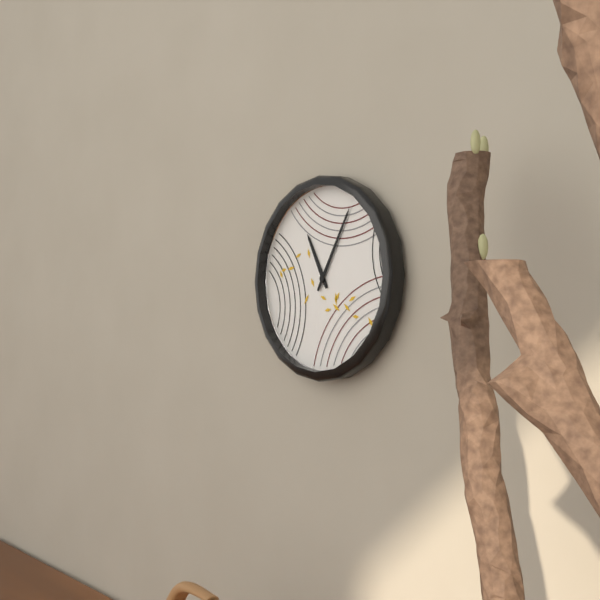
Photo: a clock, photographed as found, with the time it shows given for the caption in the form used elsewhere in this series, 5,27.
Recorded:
11,05
